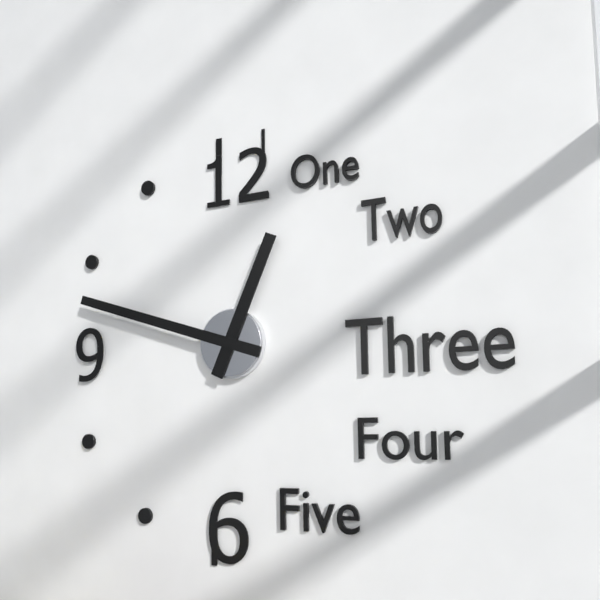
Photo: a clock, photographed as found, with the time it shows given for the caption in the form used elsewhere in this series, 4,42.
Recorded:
12,48
